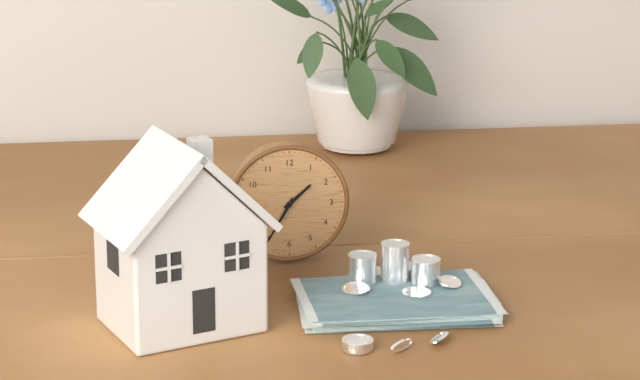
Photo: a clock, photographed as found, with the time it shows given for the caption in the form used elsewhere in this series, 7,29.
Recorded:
1,35
